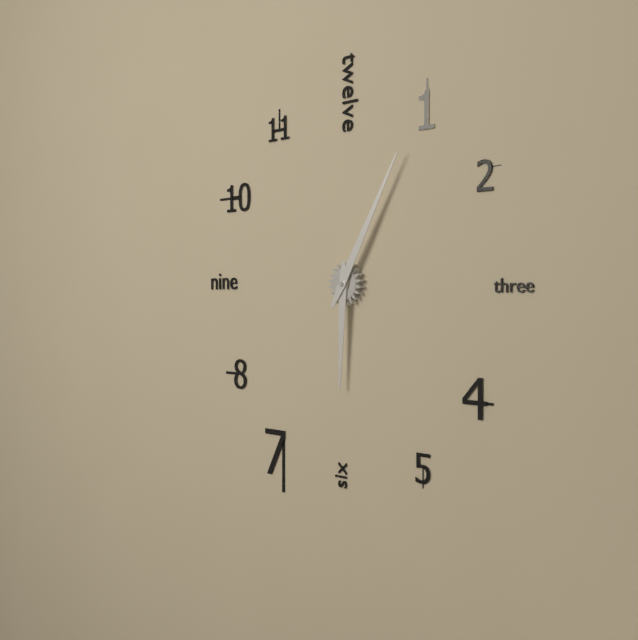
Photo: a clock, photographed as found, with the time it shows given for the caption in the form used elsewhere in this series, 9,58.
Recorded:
6,05
